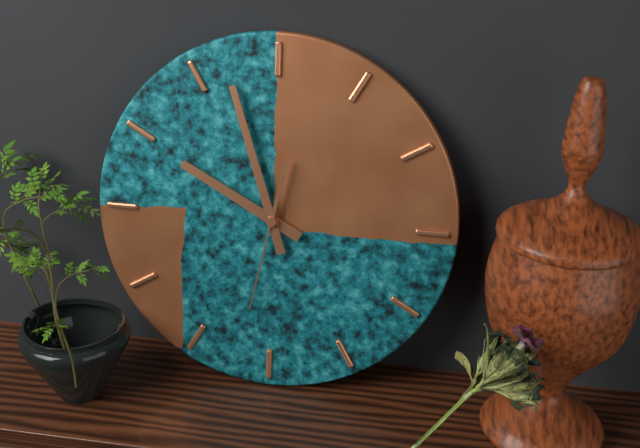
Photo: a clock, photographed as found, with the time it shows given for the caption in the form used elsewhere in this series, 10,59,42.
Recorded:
9,57,32
